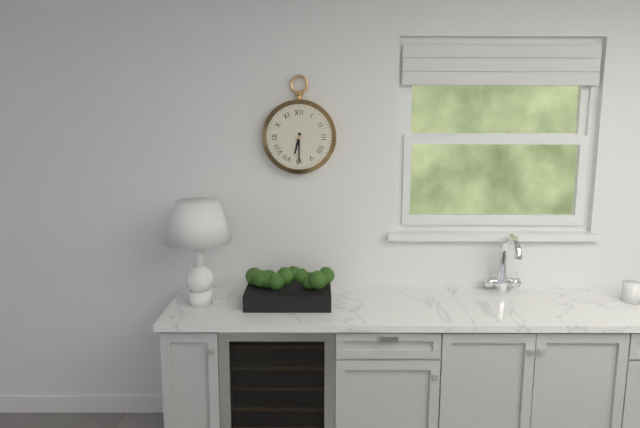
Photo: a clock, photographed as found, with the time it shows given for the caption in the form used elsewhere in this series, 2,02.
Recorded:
6,30
